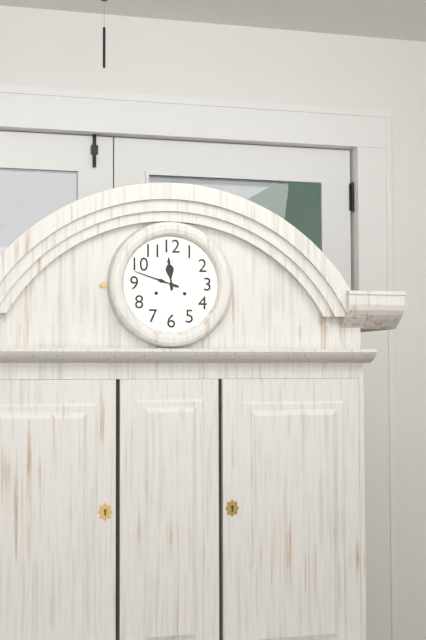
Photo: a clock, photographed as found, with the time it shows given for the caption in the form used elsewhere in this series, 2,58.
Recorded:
11,48
